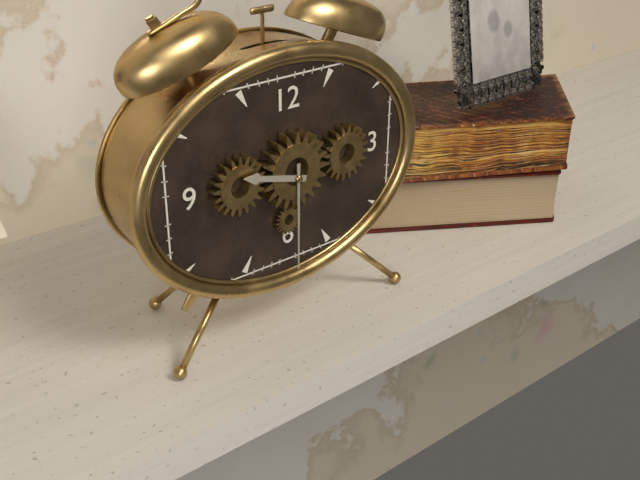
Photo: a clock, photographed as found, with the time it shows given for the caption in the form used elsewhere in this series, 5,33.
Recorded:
9,30
